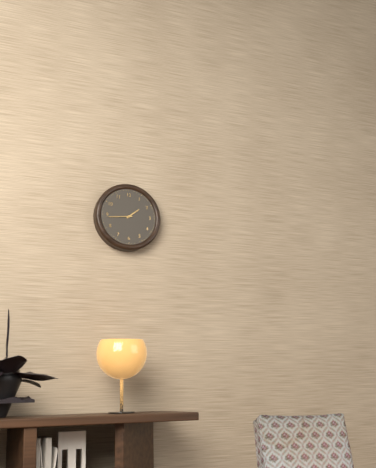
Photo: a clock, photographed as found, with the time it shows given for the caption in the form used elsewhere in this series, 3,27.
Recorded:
1,44
